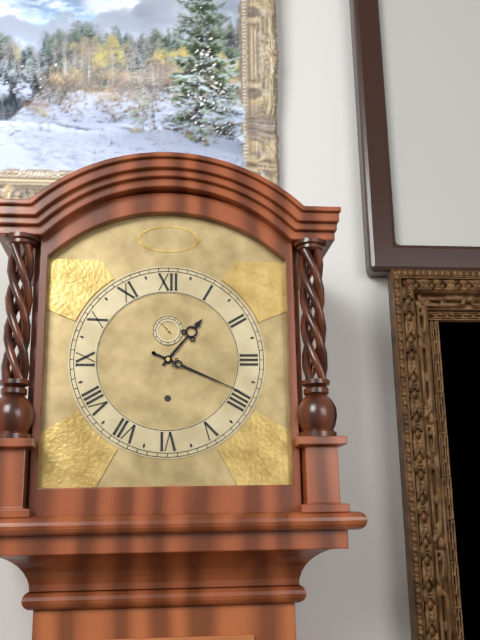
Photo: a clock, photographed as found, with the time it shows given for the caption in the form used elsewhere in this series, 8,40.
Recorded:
1,19
